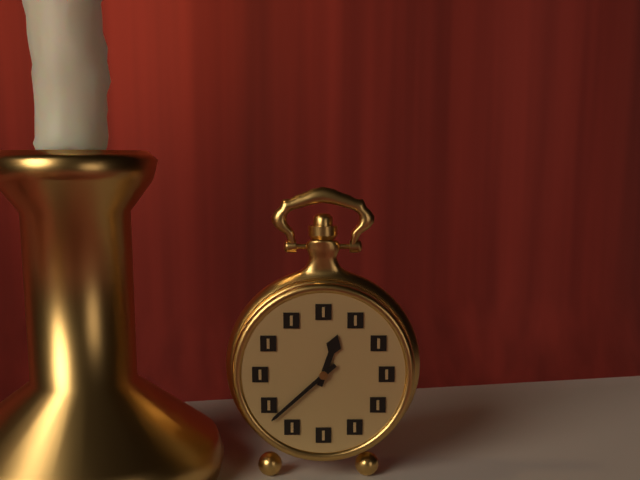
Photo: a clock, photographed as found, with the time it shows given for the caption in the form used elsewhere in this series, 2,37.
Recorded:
12,38
